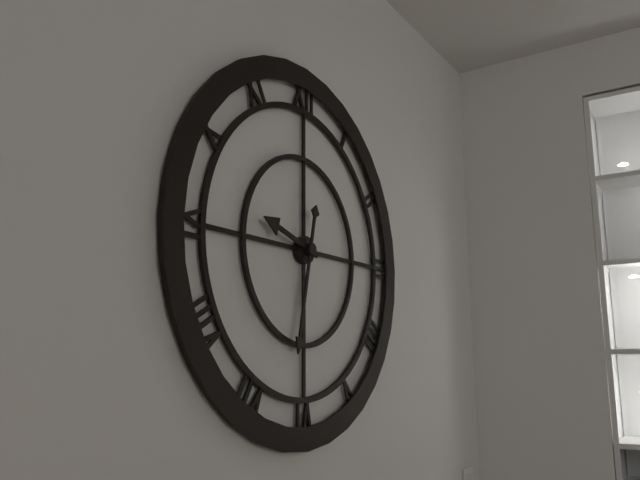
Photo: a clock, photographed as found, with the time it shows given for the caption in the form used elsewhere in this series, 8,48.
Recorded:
9,32
